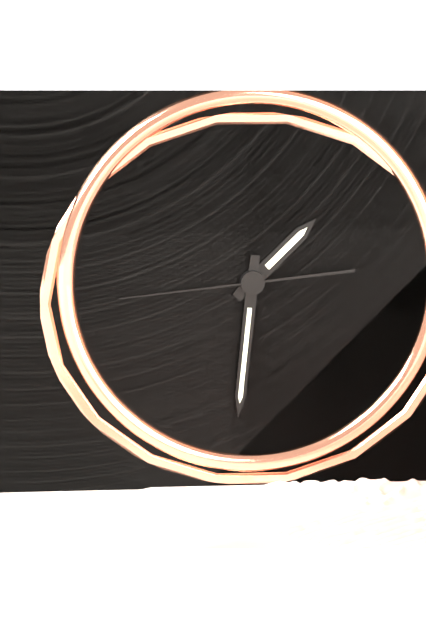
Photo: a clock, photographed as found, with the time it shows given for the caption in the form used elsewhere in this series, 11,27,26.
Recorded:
1,31,44
